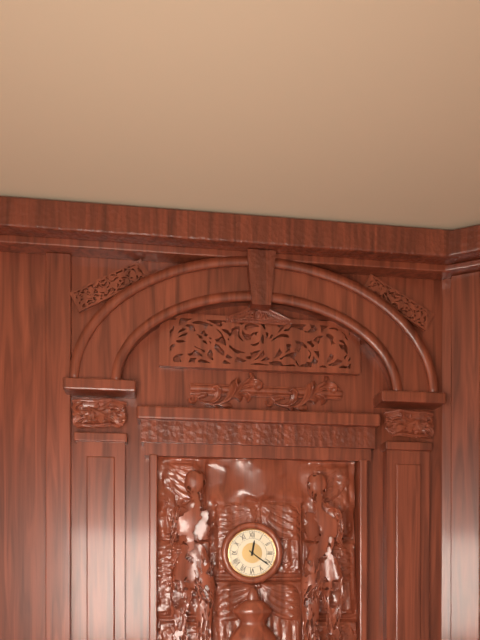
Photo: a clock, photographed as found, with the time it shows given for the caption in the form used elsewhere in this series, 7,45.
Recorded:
12,21
